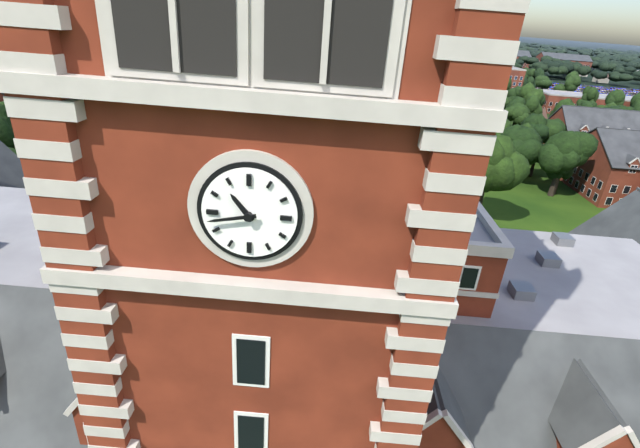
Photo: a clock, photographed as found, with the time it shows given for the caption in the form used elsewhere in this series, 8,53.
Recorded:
10,43
